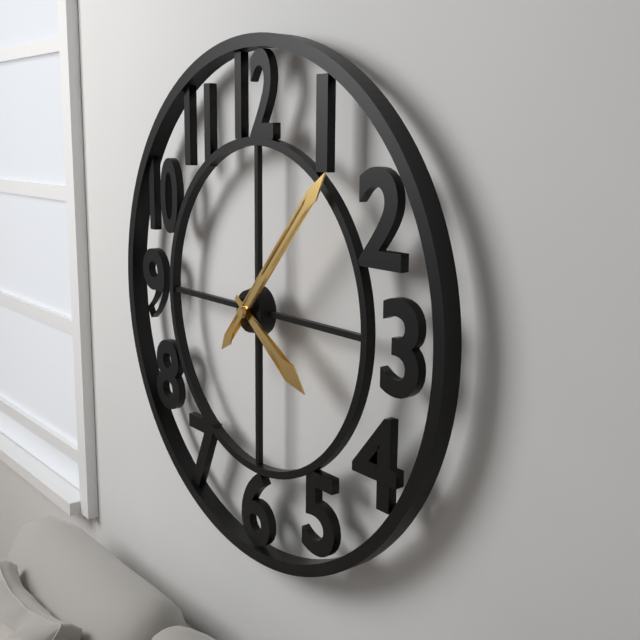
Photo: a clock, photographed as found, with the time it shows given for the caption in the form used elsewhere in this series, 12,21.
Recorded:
4,07
